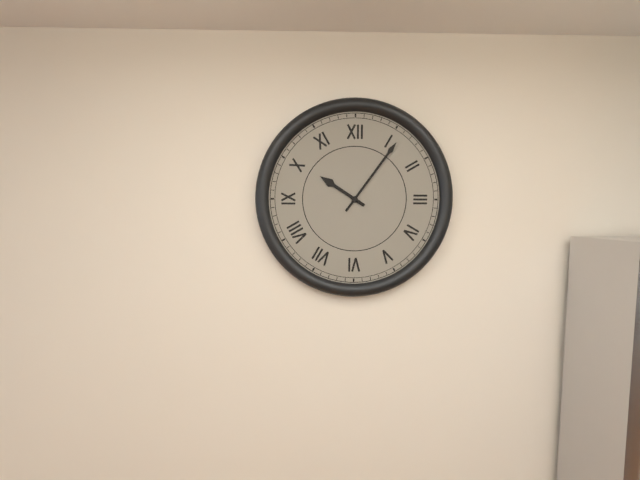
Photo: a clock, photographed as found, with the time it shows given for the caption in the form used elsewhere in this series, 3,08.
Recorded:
10,06
